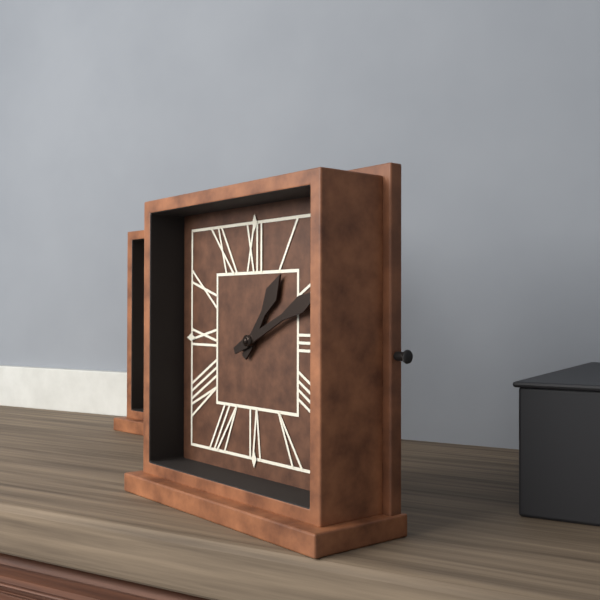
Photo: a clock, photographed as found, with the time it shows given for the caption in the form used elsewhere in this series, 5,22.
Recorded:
1,11
